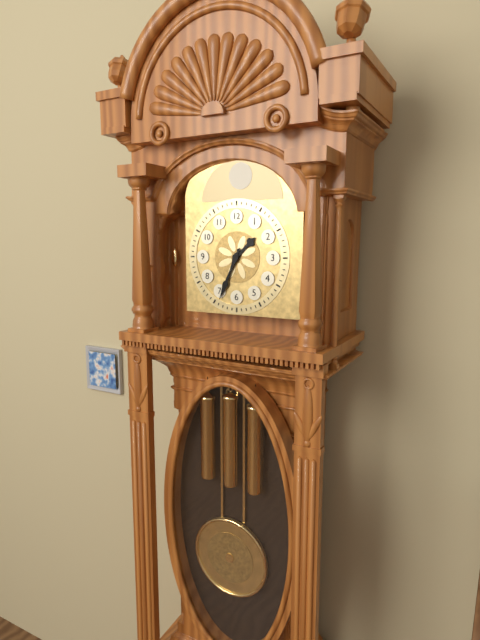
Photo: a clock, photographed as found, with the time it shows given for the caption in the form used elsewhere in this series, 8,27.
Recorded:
1,34
